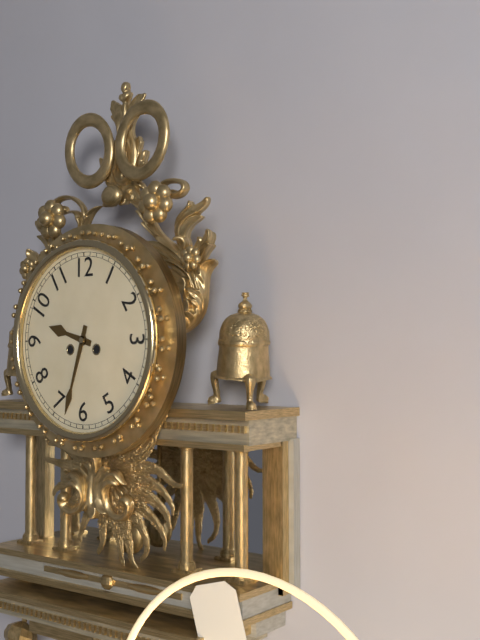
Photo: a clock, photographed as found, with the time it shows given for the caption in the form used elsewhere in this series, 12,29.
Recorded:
9,33
